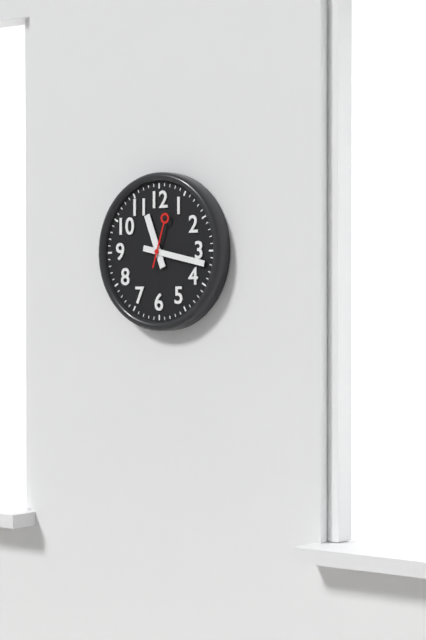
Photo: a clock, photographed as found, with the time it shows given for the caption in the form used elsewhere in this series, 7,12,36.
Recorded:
11,17,03
